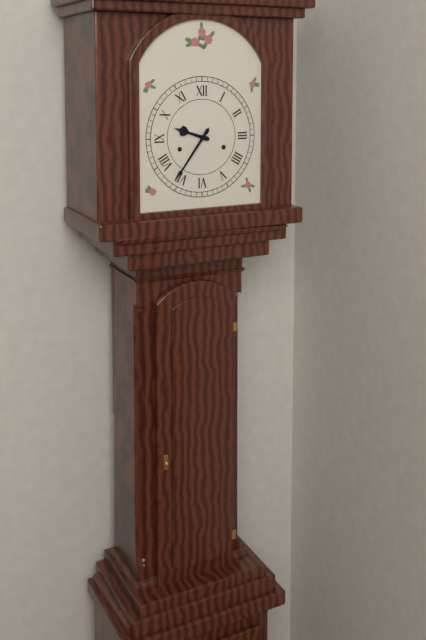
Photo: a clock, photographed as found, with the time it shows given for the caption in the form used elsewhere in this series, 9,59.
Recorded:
9,36
